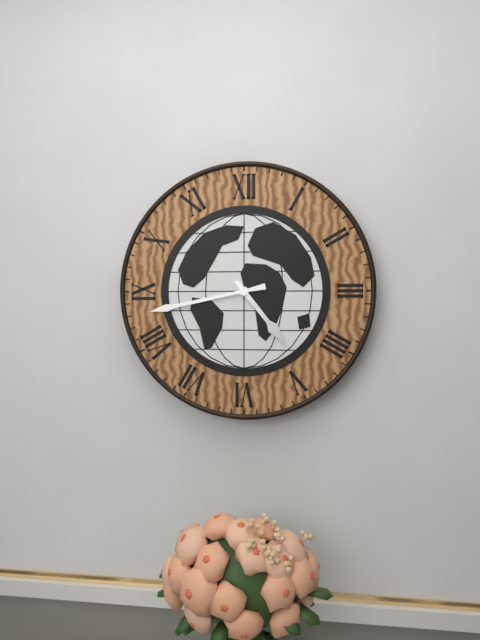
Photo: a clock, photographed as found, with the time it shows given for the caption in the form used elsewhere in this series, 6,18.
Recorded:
4,43
